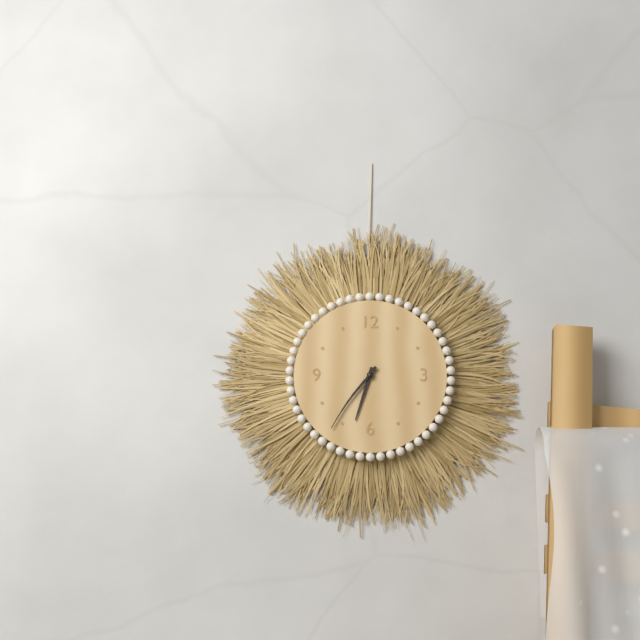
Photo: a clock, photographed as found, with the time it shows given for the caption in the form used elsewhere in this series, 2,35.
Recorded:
6,36
